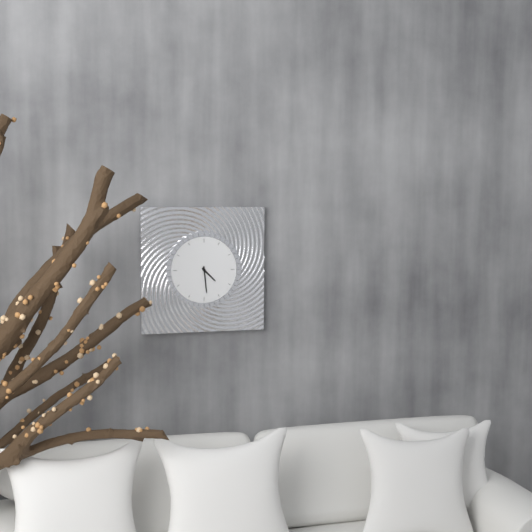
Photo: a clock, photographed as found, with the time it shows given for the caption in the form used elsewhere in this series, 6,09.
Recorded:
4,29
